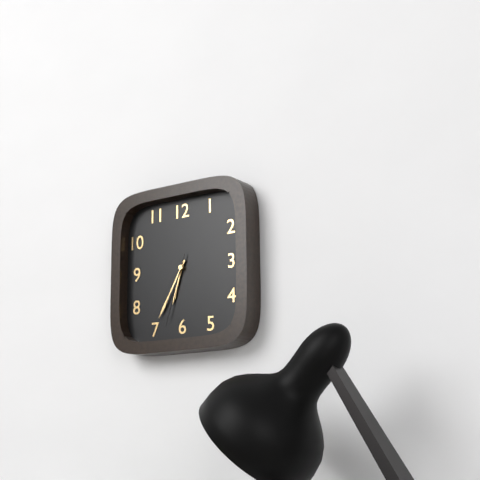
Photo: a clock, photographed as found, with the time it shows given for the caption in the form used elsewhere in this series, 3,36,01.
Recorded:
6,35,33
